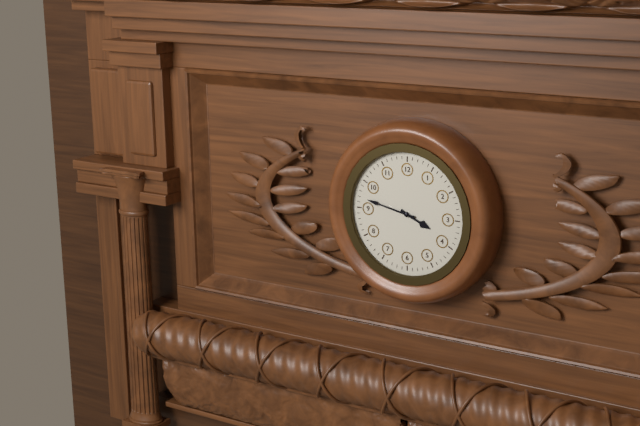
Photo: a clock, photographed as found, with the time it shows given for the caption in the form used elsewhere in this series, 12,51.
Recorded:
3,47
